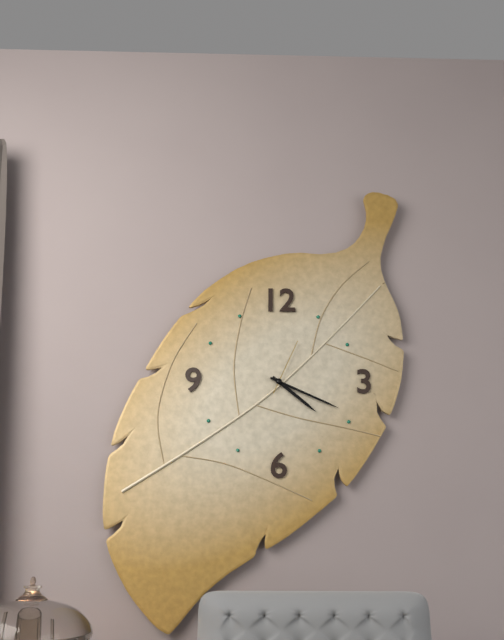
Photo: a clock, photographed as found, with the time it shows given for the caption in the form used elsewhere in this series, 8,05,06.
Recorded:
4,19,04
